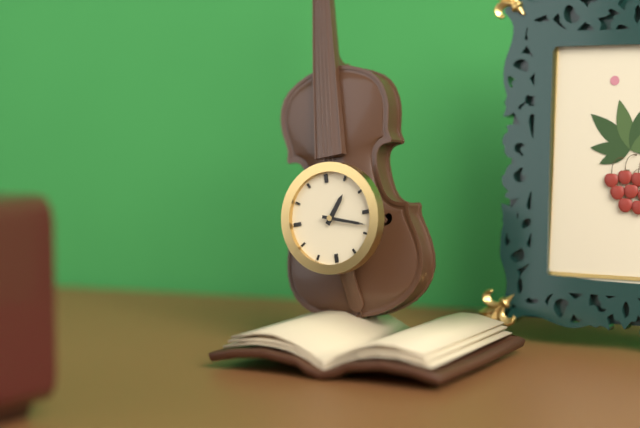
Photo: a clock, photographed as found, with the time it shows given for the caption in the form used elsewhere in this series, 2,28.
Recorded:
1,18
